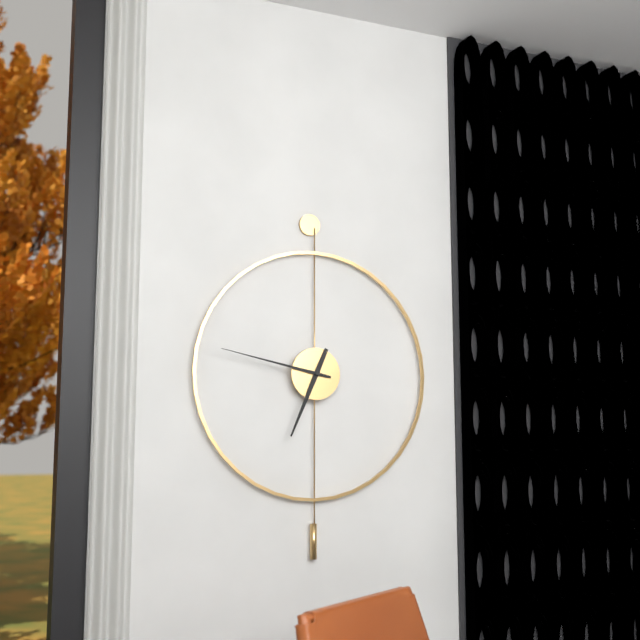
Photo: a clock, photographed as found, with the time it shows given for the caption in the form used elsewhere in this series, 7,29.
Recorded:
6,47
